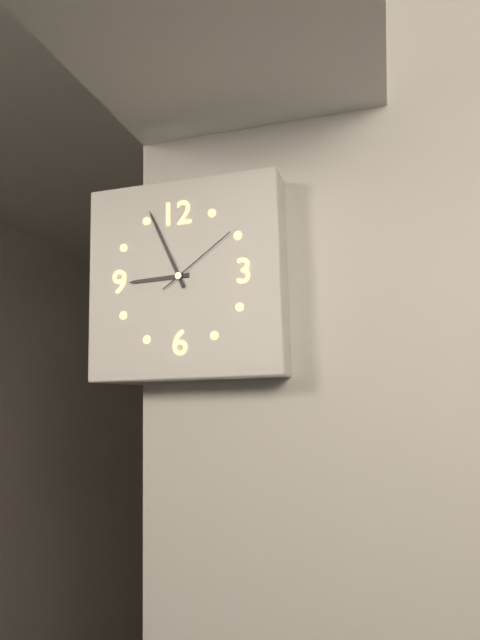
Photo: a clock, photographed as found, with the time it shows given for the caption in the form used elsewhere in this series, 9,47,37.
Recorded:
8,56,09
